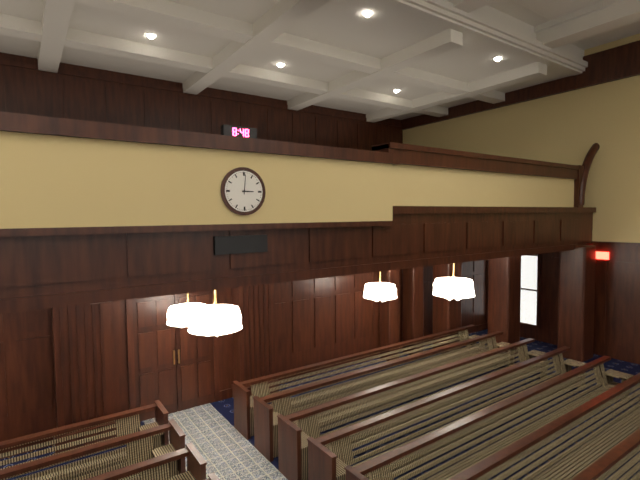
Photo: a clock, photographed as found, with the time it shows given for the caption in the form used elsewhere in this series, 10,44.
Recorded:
3,01
